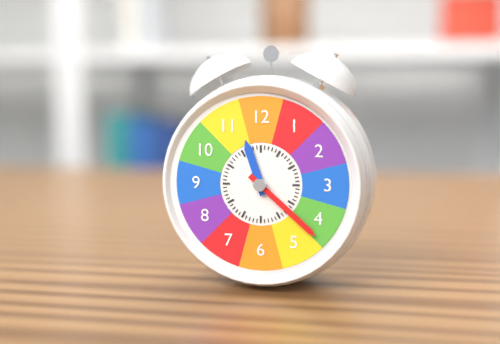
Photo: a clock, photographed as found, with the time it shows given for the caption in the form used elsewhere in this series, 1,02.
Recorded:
11,22
